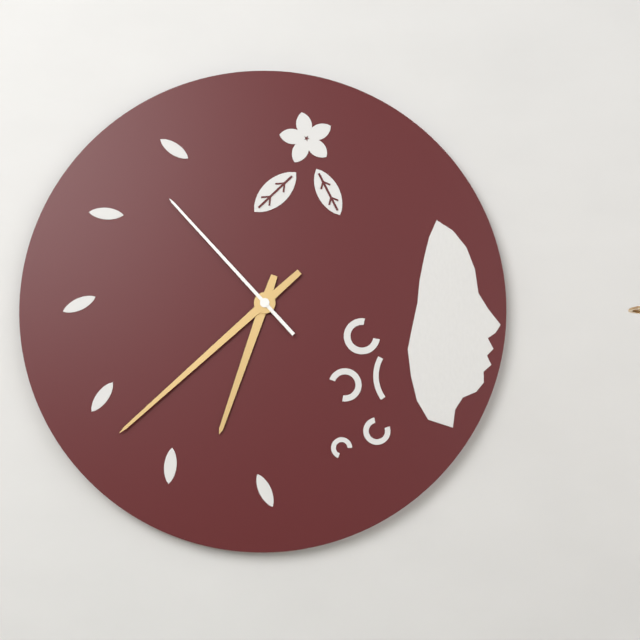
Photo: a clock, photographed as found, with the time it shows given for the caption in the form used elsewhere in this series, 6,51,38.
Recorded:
6,38,53
